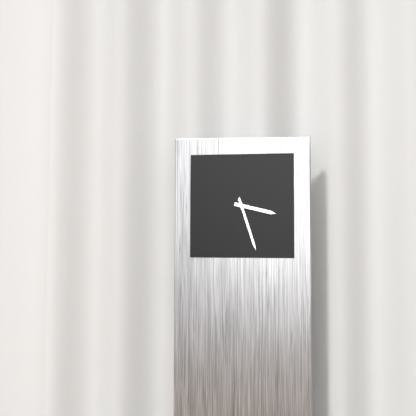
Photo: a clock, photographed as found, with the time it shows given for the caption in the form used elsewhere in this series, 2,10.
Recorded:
3,27
